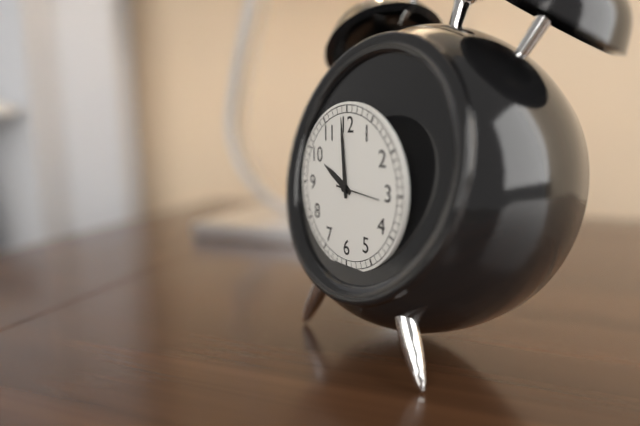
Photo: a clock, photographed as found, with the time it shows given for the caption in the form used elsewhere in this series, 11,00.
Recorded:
9,59
